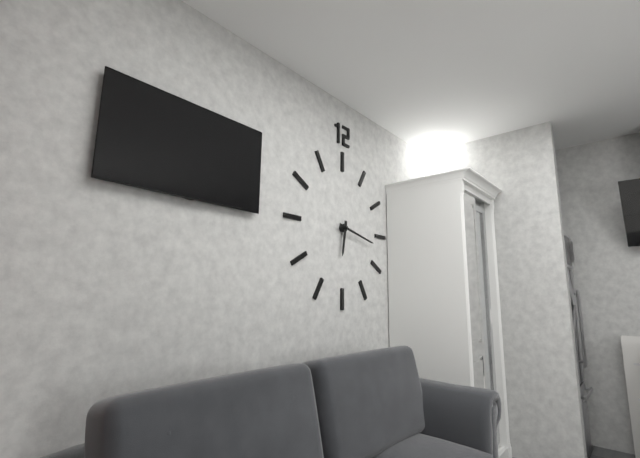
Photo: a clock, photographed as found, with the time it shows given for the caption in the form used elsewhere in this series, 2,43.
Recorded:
6,17
